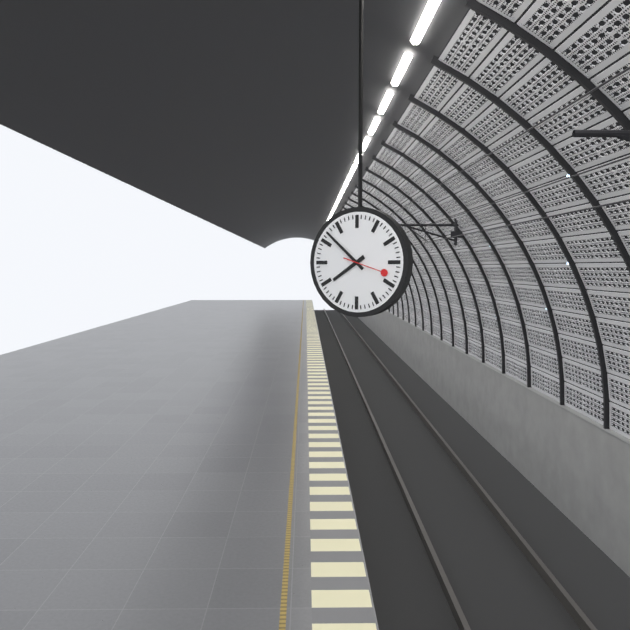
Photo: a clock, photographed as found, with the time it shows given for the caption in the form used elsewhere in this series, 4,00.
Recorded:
7,52
